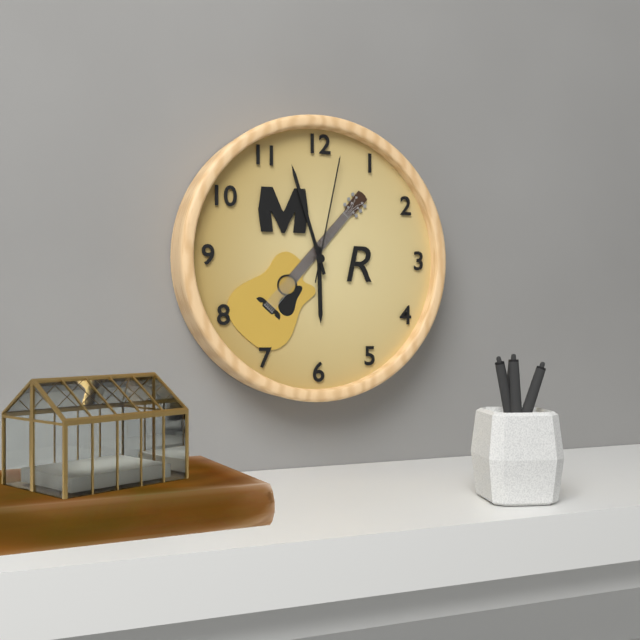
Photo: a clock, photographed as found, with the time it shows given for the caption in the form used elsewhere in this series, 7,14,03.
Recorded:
5,57,02
